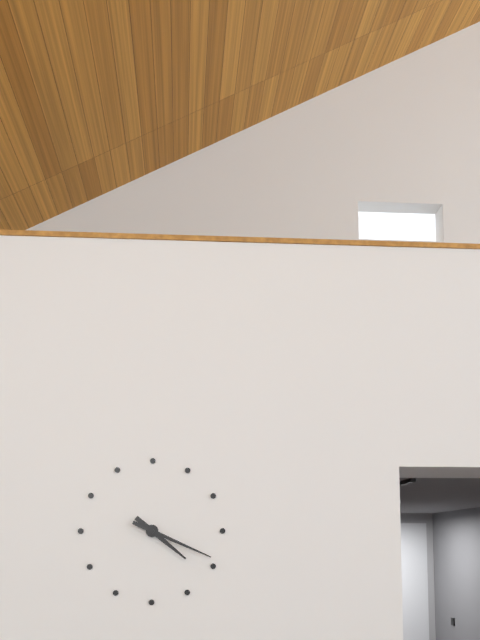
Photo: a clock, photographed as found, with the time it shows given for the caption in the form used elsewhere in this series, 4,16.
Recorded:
4,19
